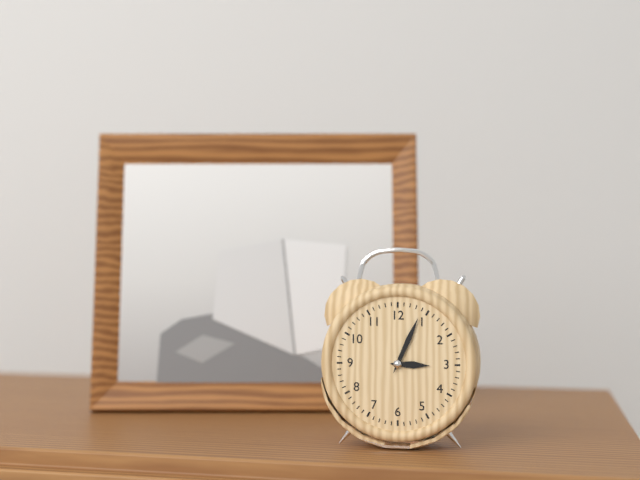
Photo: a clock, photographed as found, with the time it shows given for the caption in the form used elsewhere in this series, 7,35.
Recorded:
3,04
